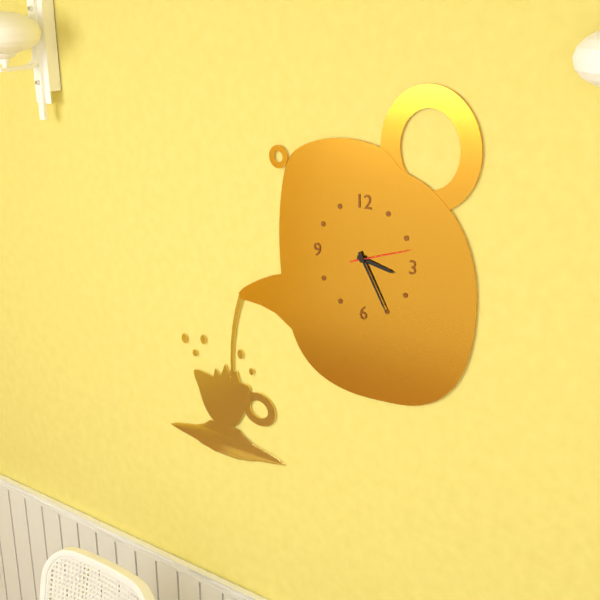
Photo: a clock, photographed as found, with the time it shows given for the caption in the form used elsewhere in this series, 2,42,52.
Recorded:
3,25,12
